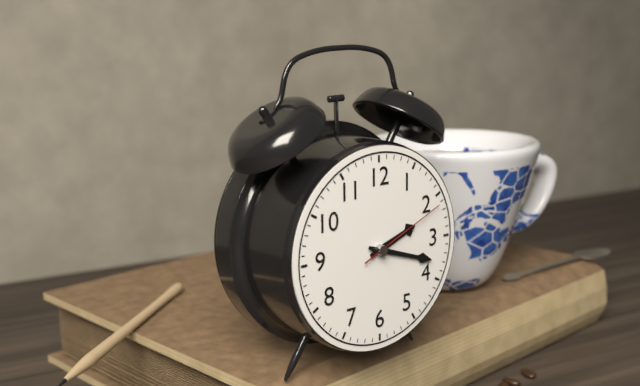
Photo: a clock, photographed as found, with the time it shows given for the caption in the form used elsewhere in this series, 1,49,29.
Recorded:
2,18,11
